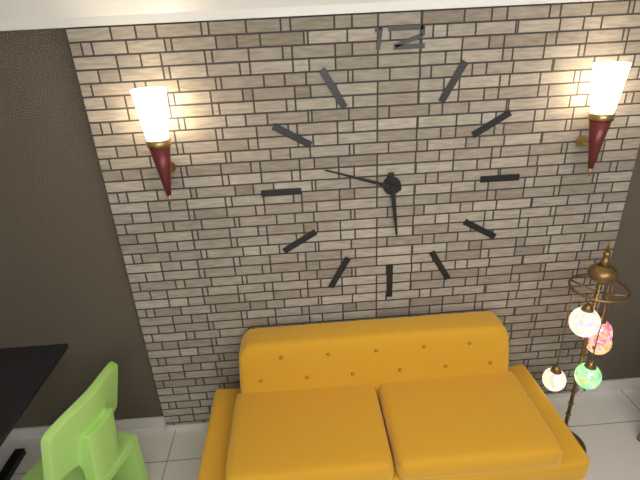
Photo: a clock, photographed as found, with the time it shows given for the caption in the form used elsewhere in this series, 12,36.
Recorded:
5,48
